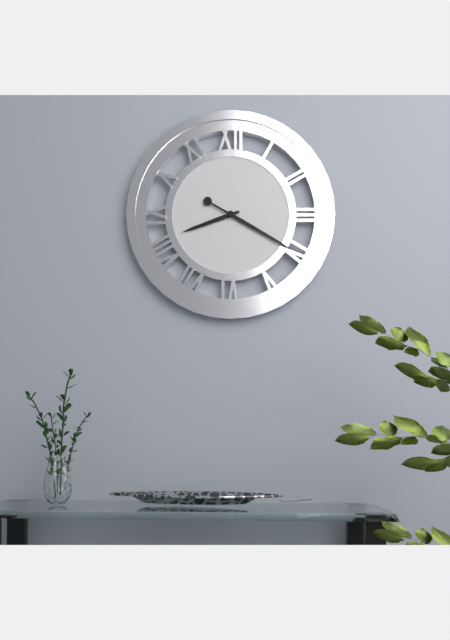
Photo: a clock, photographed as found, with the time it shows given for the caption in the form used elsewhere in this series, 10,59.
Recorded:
8,20
